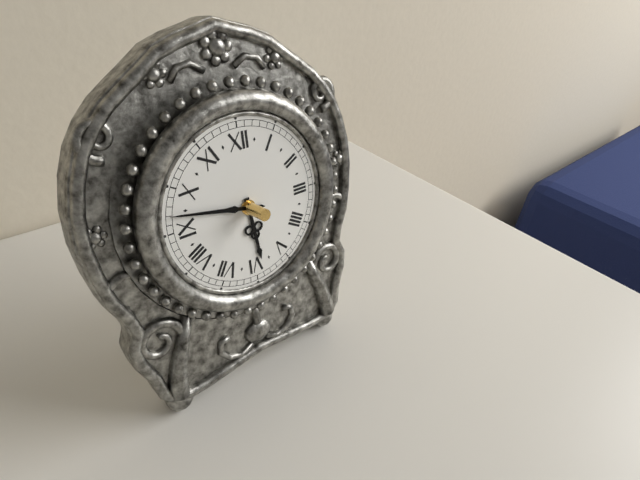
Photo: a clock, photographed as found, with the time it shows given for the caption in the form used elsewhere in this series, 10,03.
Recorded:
5,47
